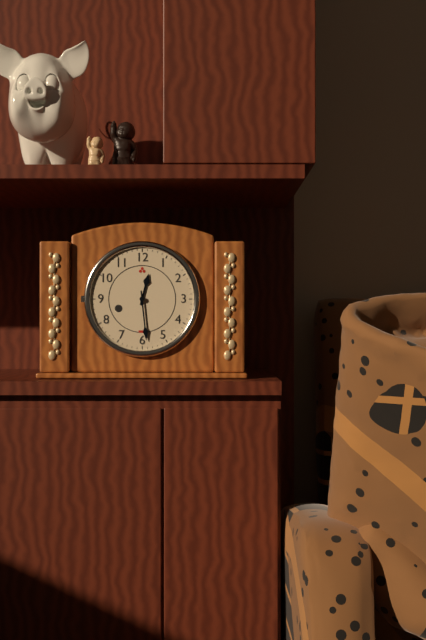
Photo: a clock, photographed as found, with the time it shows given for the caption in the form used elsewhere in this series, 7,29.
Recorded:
12,29
